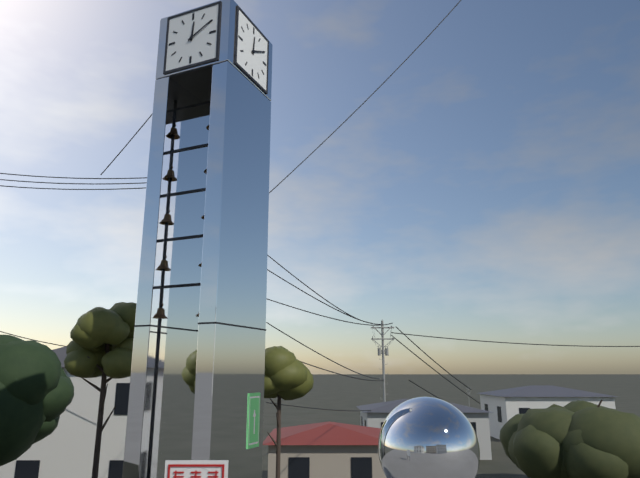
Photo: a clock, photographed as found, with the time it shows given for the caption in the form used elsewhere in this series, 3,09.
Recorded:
12,10
